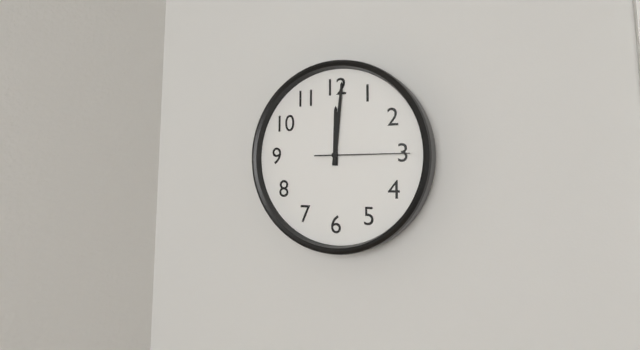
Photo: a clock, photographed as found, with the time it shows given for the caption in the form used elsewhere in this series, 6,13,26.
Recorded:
12,01,15
